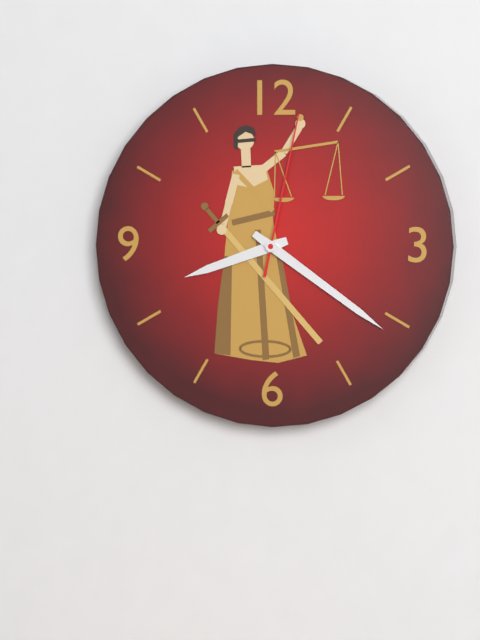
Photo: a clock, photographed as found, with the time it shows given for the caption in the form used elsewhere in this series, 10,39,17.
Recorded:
8,21,02
